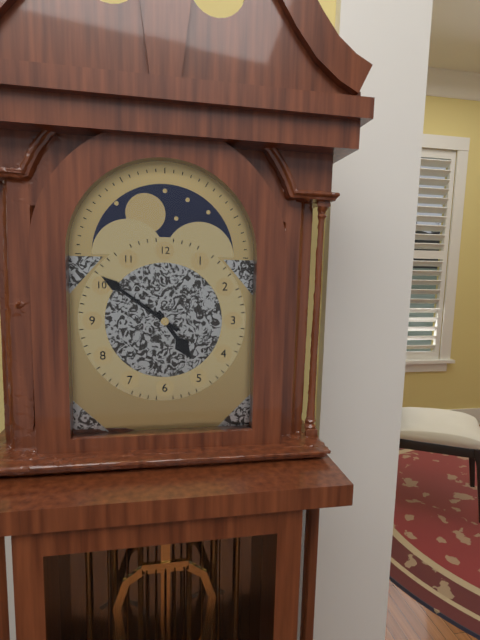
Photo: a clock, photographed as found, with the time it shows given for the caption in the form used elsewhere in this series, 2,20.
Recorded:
4,51
